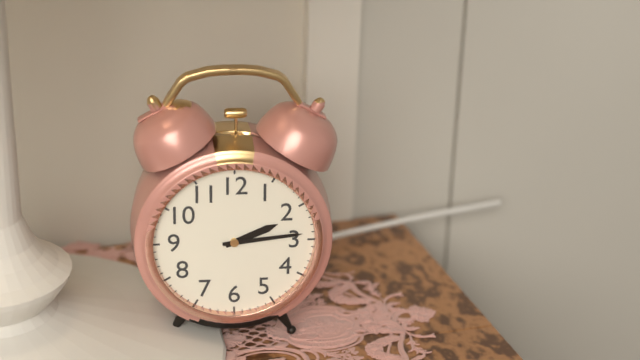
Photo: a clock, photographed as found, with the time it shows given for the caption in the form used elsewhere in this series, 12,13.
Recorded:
2,14
